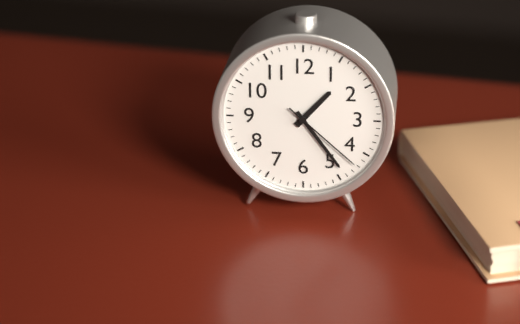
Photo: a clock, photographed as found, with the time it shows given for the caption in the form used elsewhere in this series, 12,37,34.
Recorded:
1,24,22
